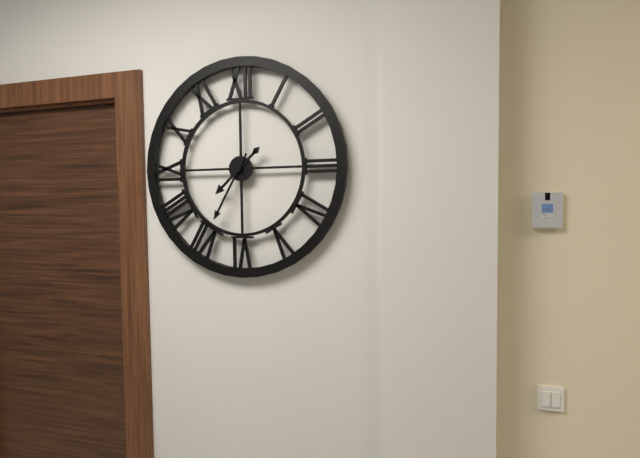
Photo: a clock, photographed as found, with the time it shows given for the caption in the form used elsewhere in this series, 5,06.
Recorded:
7,35
